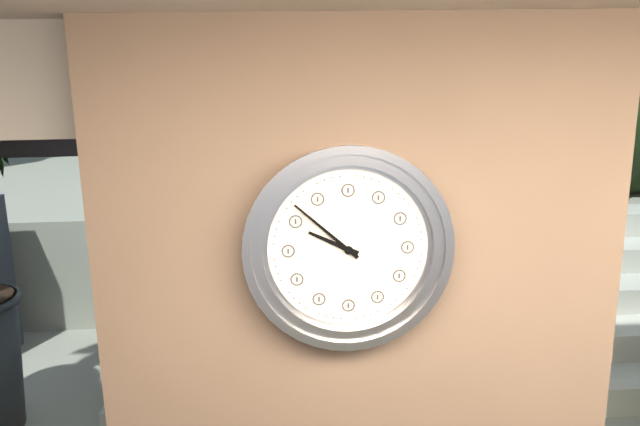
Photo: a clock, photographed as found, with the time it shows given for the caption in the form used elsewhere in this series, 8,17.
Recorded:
9,52
